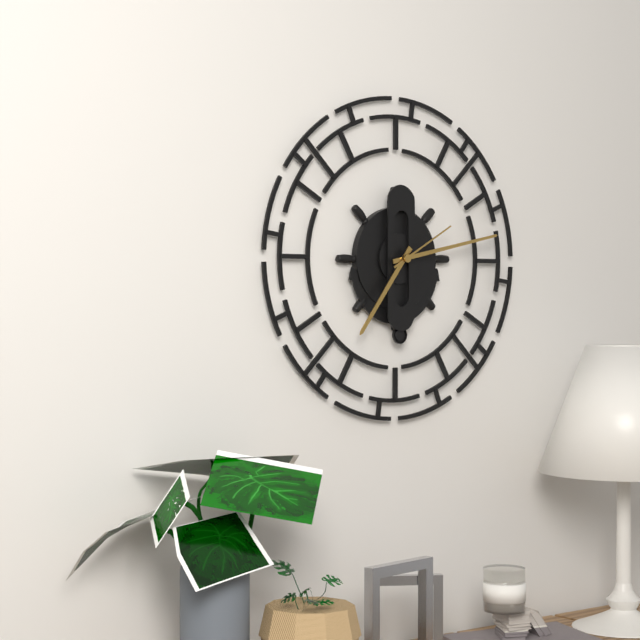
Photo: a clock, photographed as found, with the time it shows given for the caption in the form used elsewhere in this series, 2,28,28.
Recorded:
7,13,10
